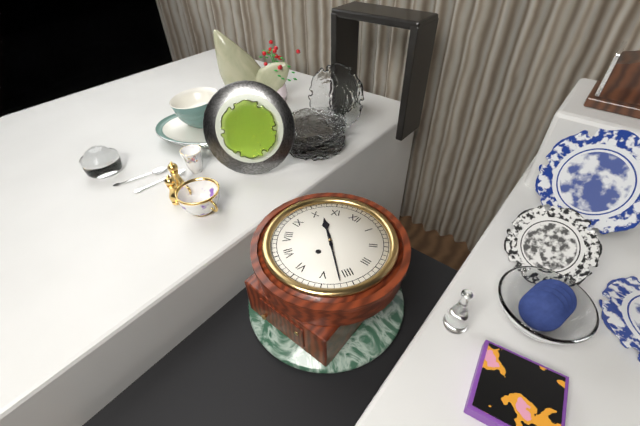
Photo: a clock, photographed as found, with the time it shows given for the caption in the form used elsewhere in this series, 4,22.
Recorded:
10,22
